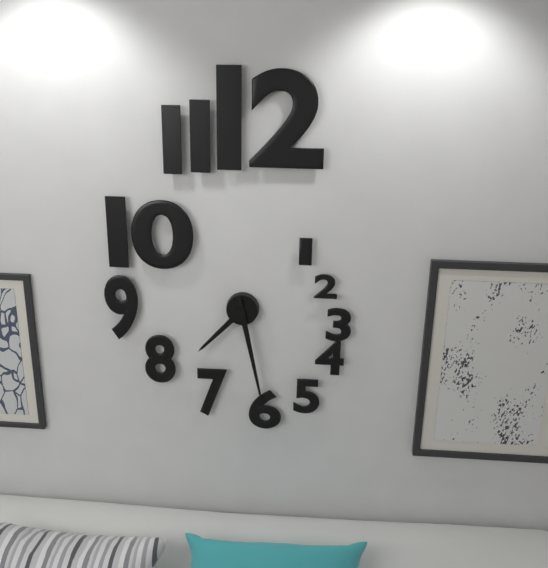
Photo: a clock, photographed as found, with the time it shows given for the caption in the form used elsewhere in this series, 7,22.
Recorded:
7,28
